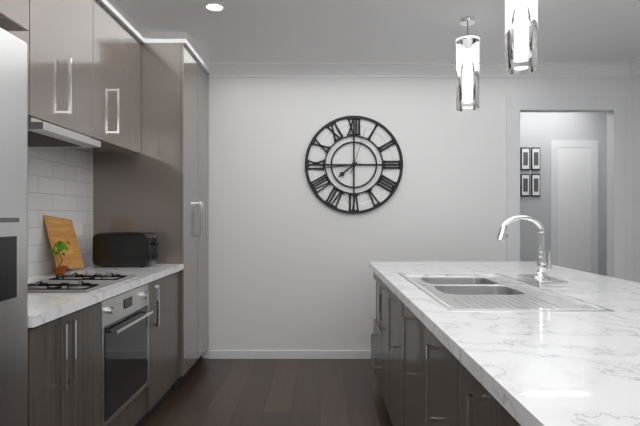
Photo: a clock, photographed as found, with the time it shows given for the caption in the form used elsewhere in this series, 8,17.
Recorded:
7,44
